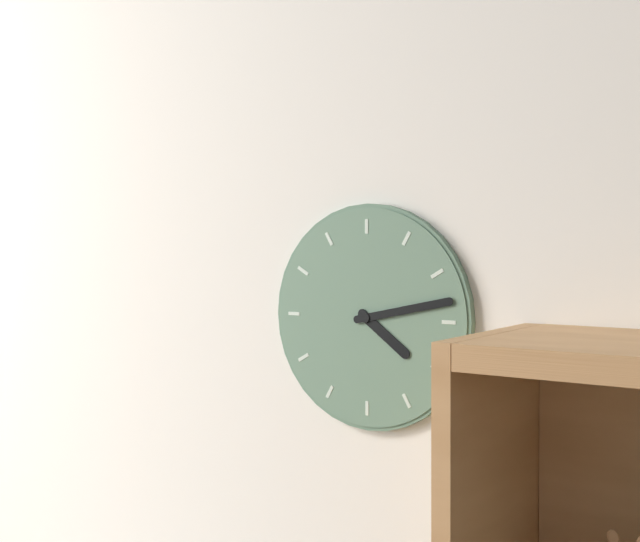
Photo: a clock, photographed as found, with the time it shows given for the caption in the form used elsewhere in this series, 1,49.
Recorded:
4,13
